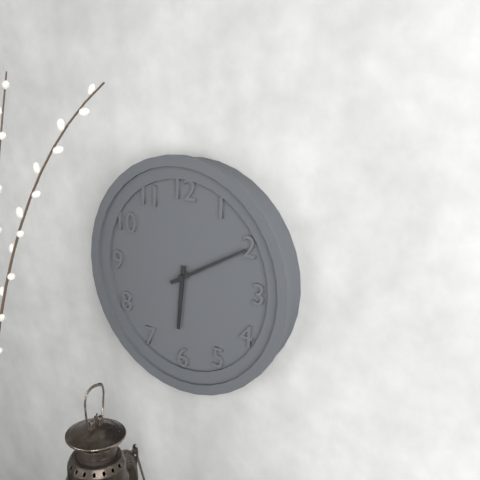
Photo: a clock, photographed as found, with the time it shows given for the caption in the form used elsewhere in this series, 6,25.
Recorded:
6,10
